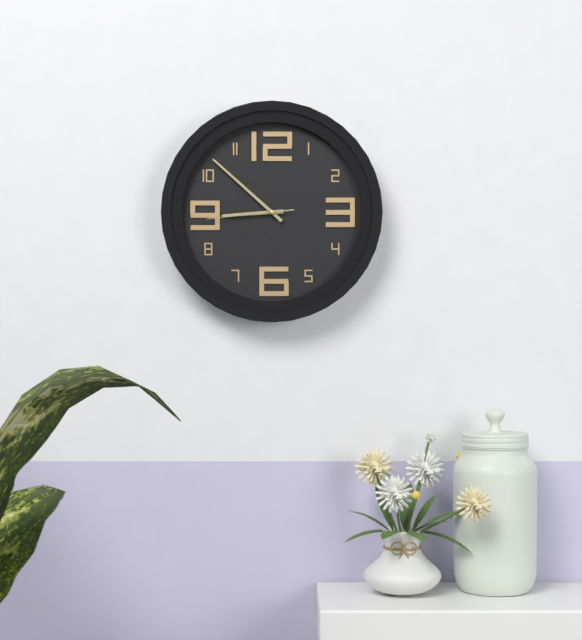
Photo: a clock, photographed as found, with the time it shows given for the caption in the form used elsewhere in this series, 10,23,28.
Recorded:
8,52,44
